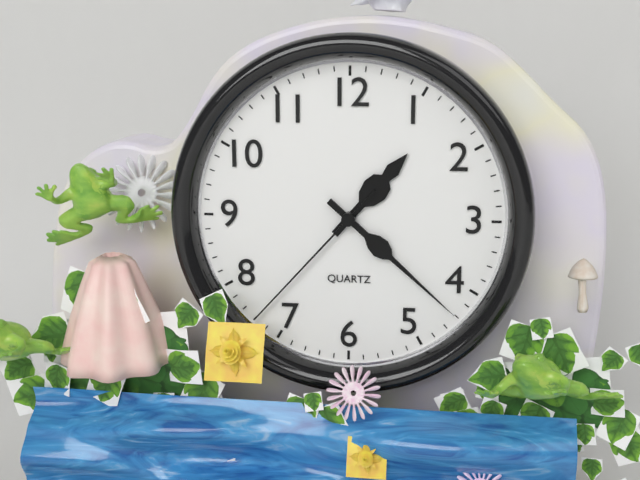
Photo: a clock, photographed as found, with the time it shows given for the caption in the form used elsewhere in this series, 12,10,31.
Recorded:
1,22,37
